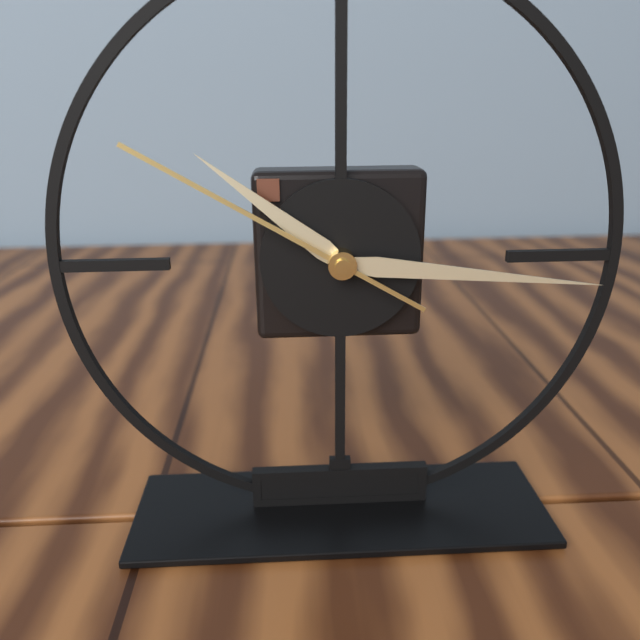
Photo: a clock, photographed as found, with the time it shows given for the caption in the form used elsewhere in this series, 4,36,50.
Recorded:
10,16,50
